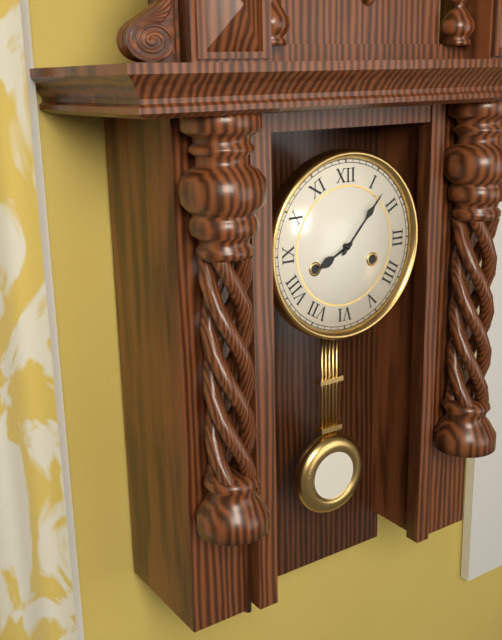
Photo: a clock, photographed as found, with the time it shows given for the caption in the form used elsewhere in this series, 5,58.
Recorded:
8,07
